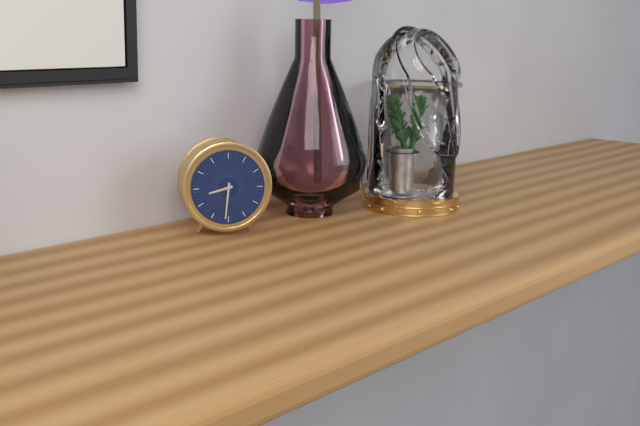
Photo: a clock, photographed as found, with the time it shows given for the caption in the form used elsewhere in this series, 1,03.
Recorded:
8,31
